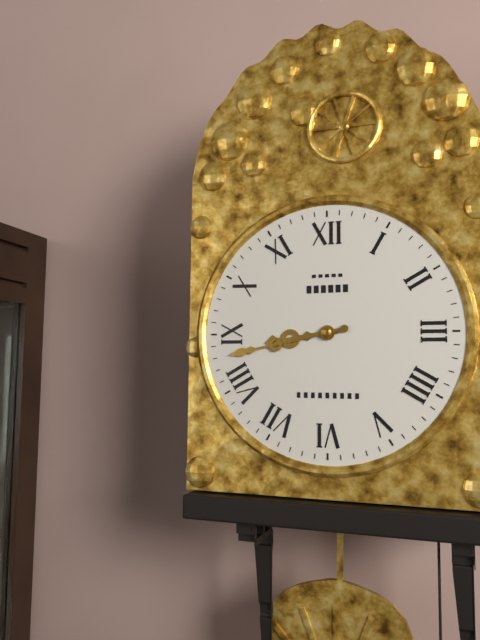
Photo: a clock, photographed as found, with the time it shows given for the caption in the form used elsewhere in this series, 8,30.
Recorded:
8,43
